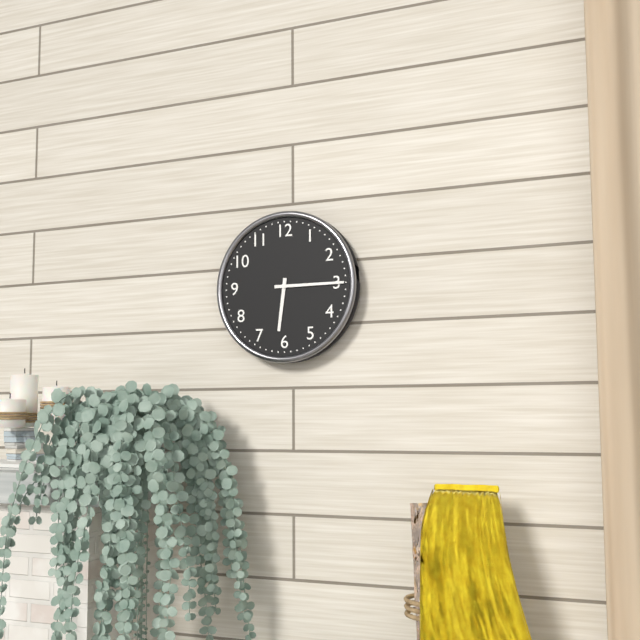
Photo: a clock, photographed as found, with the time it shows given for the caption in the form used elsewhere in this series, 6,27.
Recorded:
6,15
